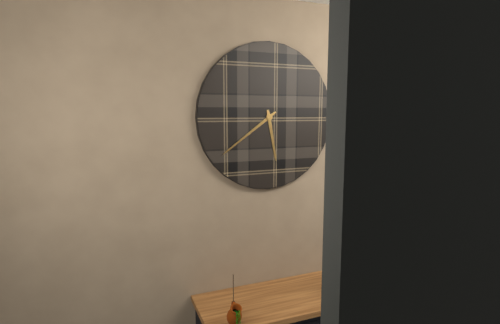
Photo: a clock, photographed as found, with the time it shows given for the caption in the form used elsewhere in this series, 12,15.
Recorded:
5,39
